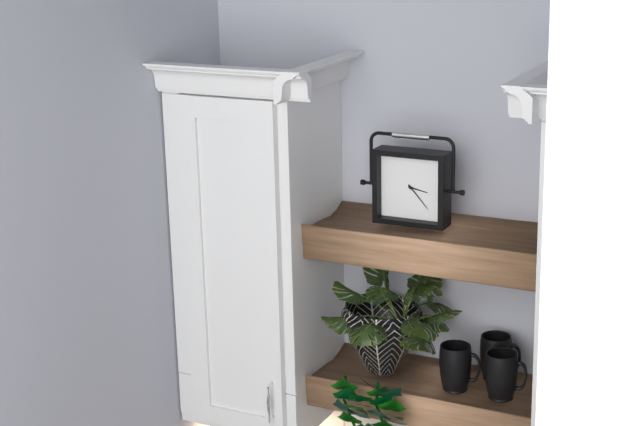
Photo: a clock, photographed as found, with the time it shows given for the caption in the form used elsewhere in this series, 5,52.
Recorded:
3,23
